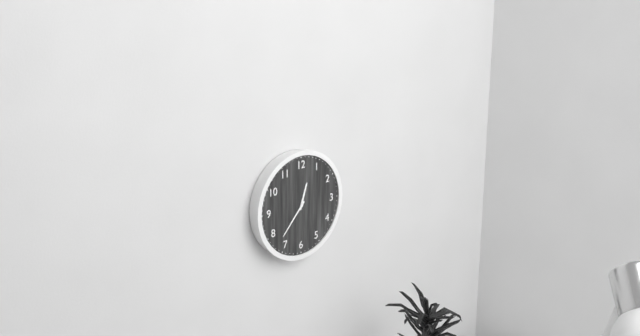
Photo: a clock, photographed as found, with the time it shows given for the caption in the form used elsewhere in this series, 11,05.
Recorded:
12,37
